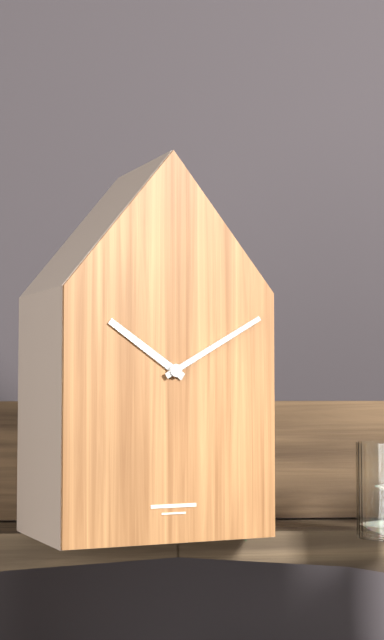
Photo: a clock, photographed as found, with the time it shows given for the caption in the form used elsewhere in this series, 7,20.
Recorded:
10,10
